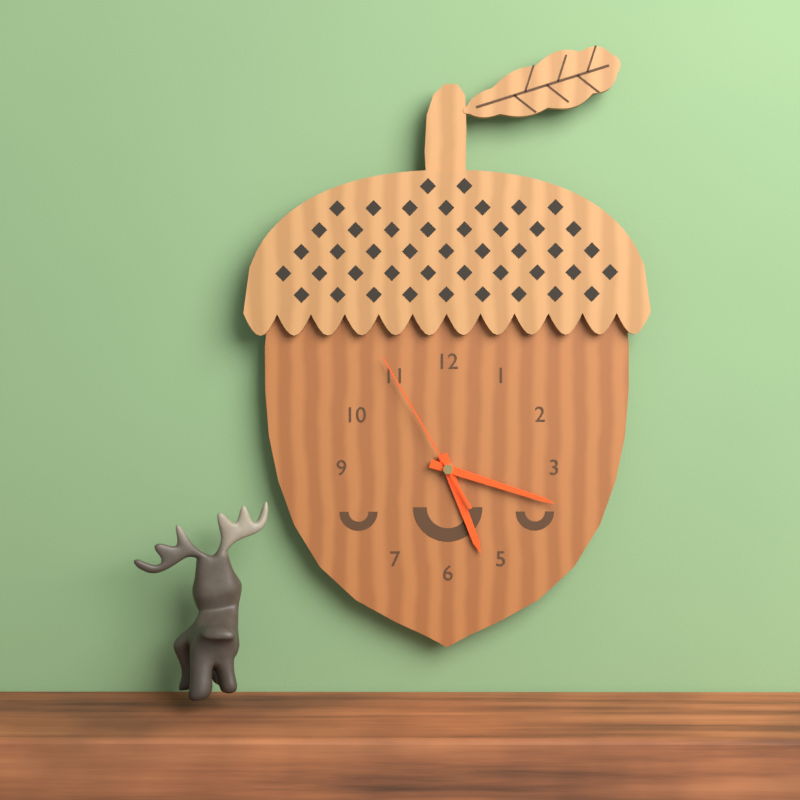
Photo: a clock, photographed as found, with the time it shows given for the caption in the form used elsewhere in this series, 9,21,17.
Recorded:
5,18,55
